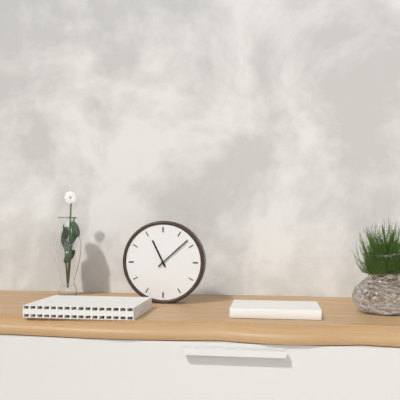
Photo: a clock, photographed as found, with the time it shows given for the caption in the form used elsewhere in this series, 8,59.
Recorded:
11,08
